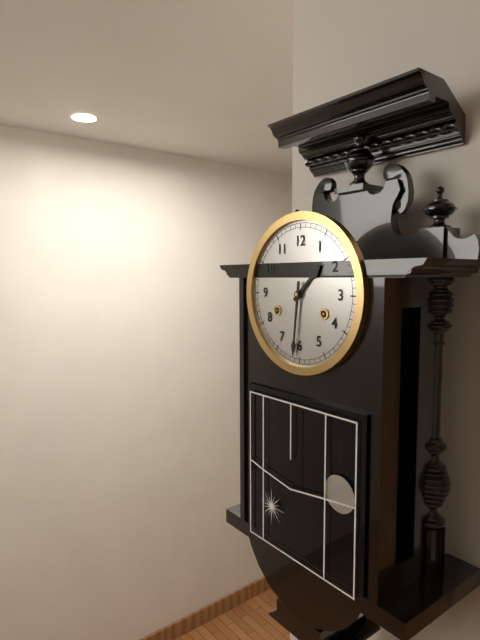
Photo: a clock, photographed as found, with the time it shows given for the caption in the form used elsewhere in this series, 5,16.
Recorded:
1,31
